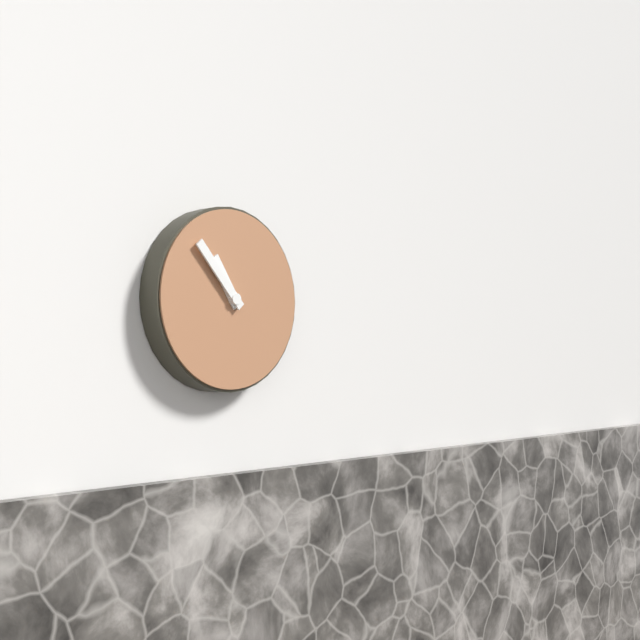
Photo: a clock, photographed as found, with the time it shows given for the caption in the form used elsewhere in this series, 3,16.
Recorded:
10,53
